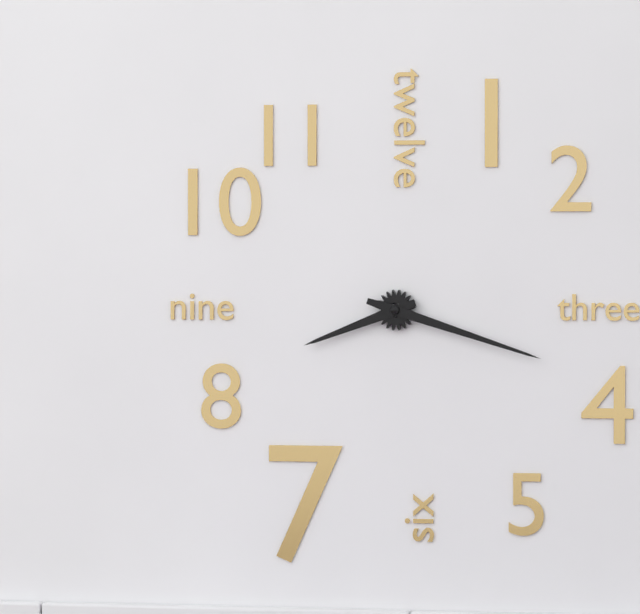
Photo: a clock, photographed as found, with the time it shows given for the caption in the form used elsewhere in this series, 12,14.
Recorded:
8,18
